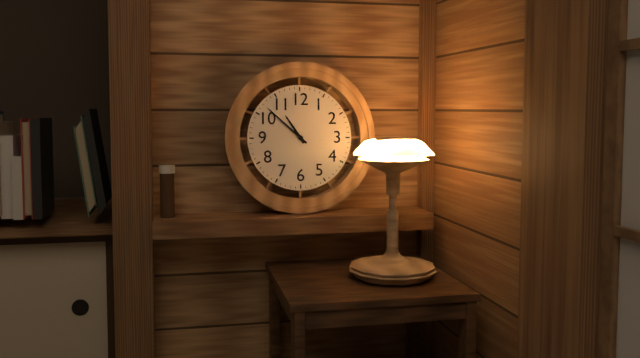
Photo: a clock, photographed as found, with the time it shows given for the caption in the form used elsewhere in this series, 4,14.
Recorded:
10,52
